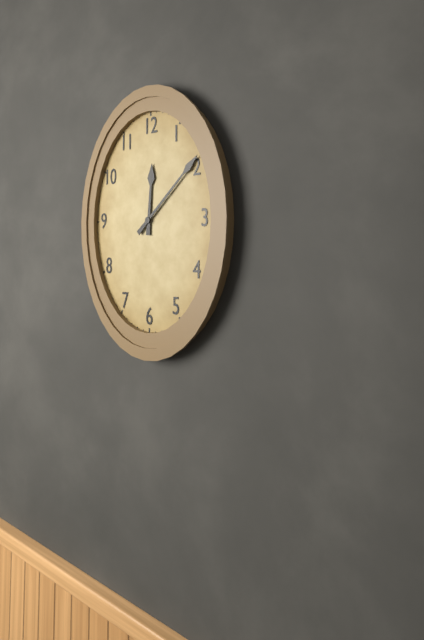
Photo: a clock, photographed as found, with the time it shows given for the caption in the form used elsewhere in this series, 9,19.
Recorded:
12,08
